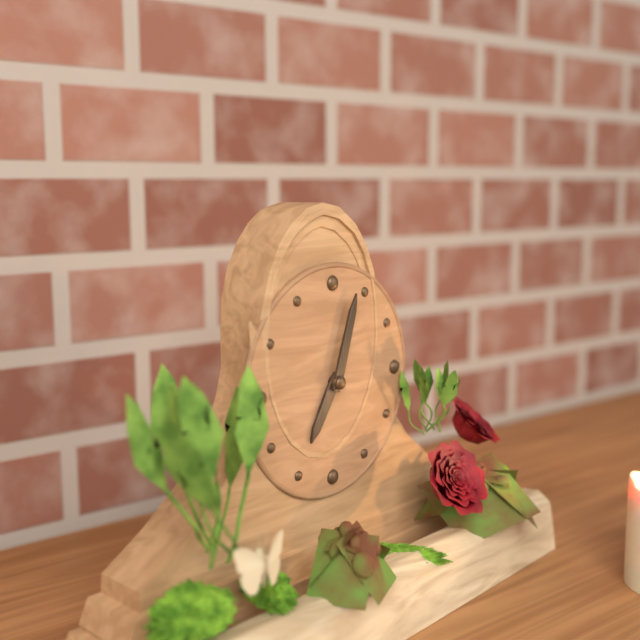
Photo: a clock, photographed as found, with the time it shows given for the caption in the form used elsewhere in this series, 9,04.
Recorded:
7,03
